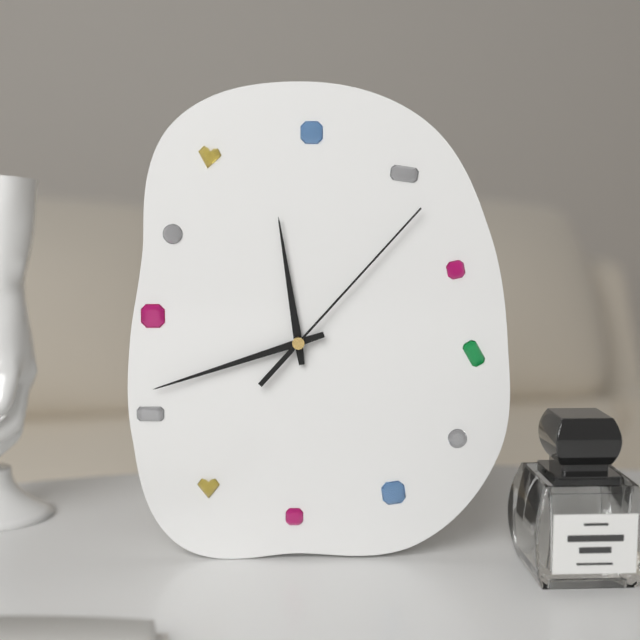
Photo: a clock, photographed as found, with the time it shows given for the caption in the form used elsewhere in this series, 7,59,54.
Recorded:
11,42,07
